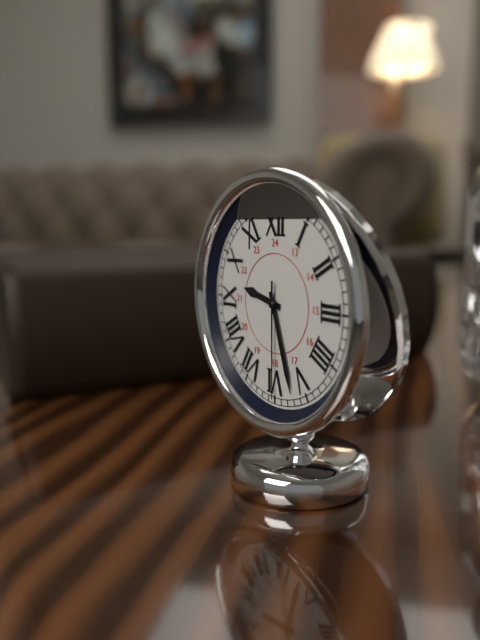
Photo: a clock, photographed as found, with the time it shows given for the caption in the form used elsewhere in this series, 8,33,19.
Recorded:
9,27,30
